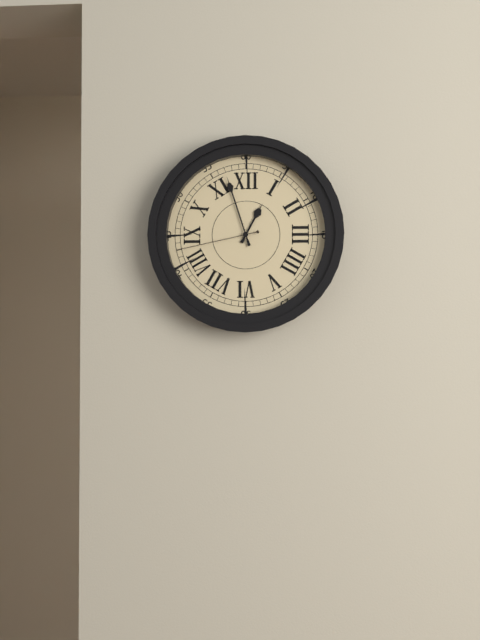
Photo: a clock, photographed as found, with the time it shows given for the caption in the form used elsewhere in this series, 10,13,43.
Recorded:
12,57,43
